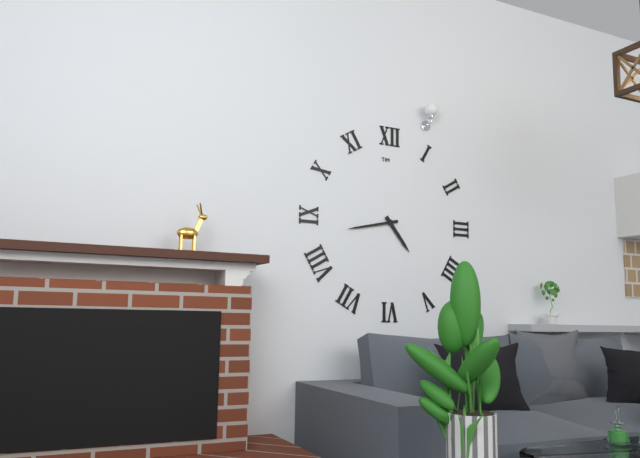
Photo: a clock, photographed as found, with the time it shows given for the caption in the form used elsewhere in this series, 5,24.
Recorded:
4,43
